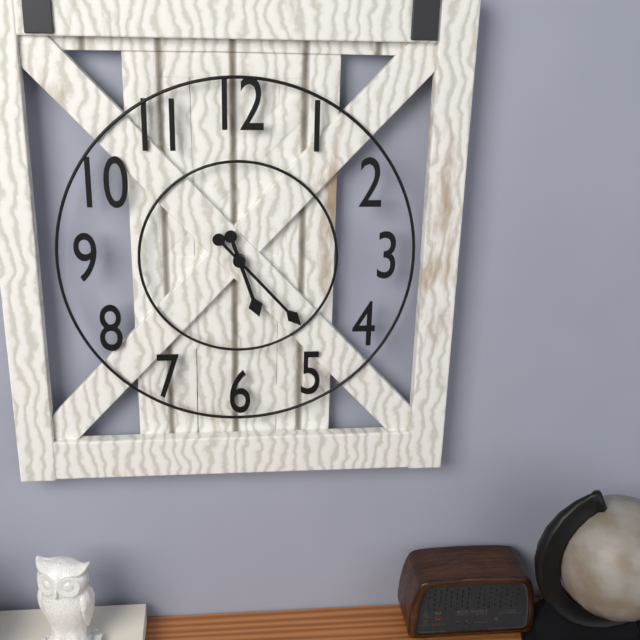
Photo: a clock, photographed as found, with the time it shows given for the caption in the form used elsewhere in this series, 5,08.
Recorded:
5,23
